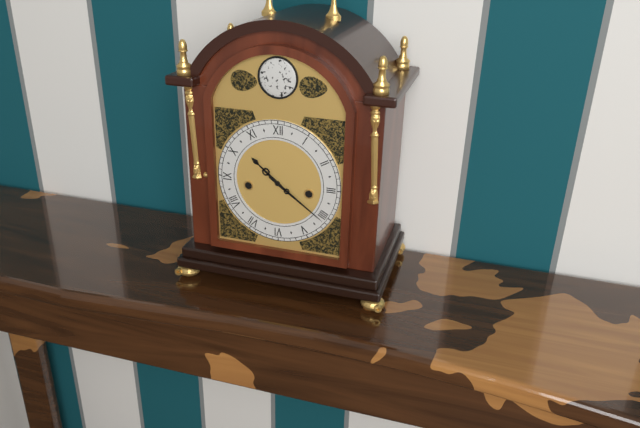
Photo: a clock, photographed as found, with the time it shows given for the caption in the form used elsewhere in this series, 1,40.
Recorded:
10,21
